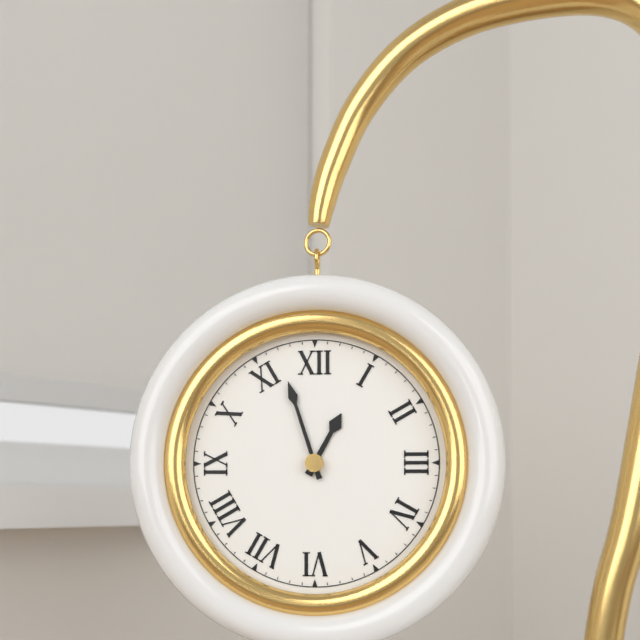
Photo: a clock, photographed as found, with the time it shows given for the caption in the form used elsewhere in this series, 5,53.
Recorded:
12,57
